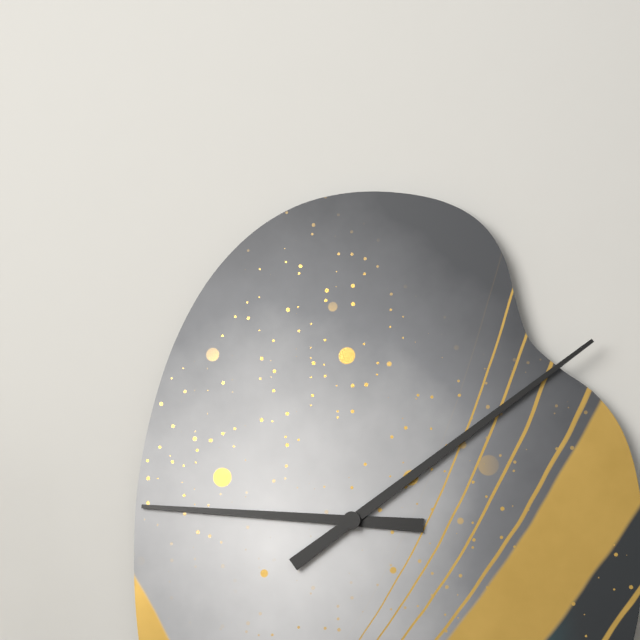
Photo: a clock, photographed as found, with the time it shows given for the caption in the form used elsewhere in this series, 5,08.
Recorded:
9,09
